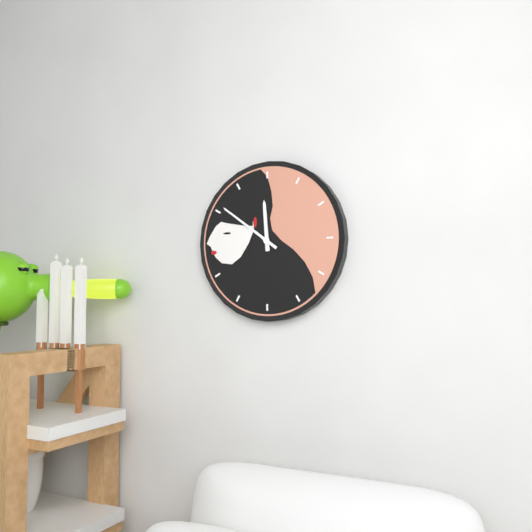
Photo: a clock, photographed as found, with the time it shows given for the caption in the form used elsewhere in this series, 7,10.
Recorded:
11,51
